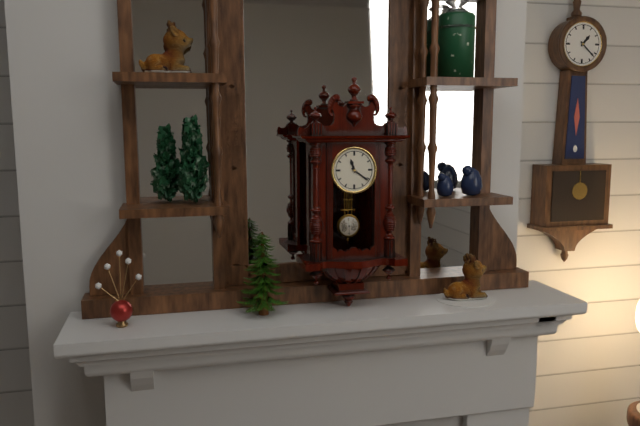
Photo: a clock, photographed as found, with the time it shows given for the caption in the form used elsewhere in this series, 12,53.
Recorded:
11,21
